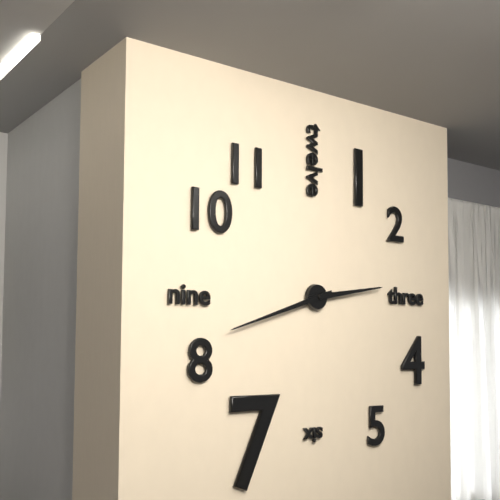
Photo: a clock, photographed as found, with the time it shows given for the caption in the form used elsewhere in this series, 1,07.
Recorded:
2,42
